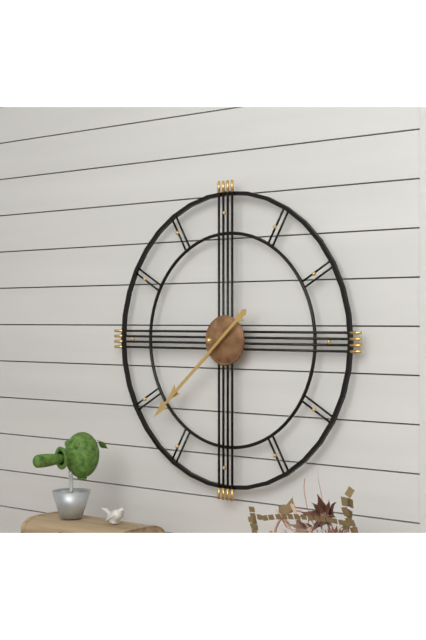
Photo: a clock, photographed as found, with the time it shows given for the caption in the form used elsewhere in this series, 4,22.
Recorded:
7,38
